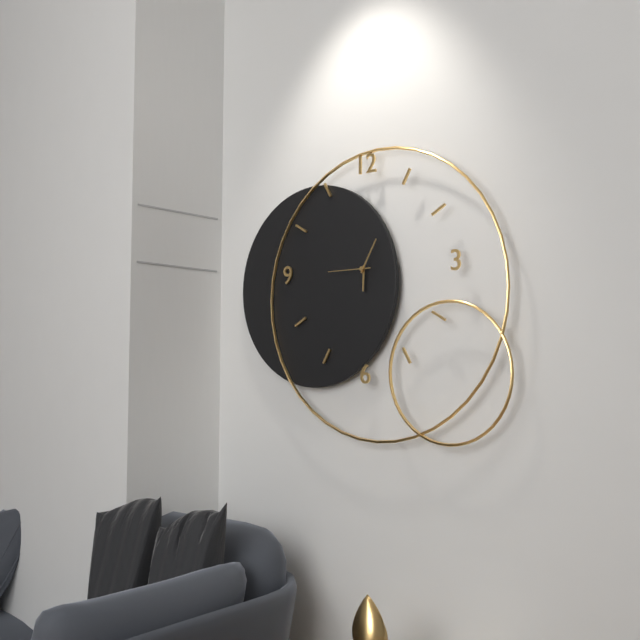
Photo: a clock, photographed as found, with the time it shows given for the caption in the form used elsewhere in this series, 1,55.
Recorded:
6,05
